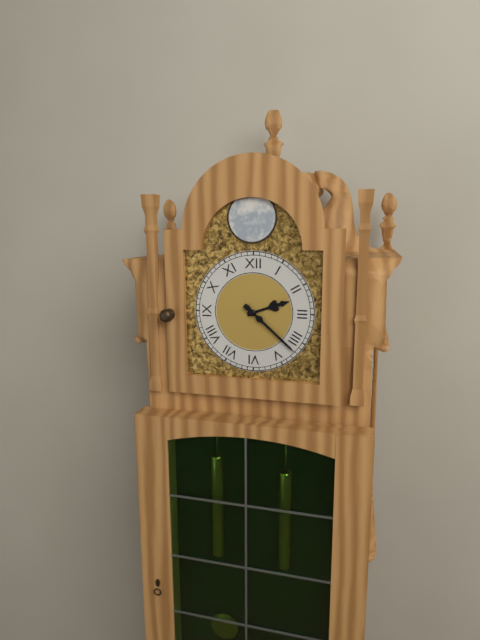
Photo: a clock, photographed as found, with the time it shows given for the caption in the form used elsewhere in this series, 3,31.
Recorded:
2,22
